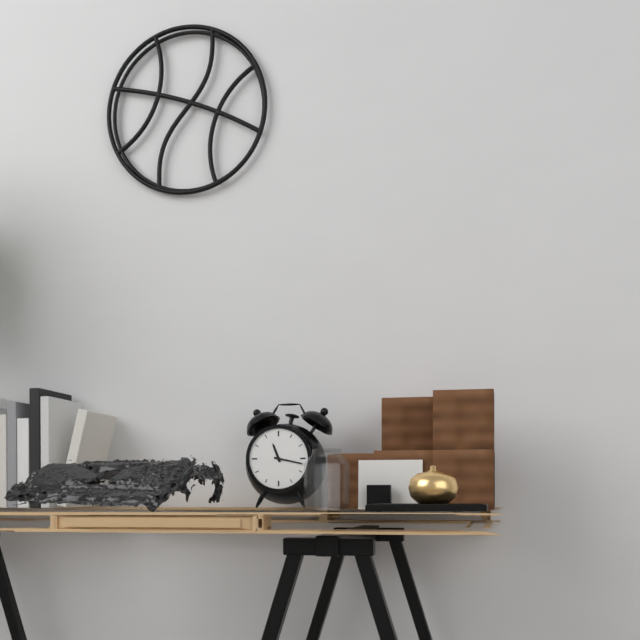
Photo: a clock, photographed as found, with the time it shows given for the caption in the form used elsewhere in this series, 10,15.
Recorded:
11,17
